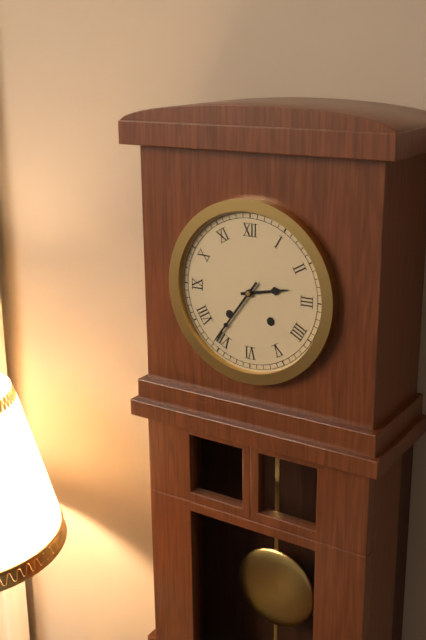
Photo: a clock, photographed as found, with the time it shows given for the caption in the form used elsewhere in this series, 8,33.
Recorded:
2,36
